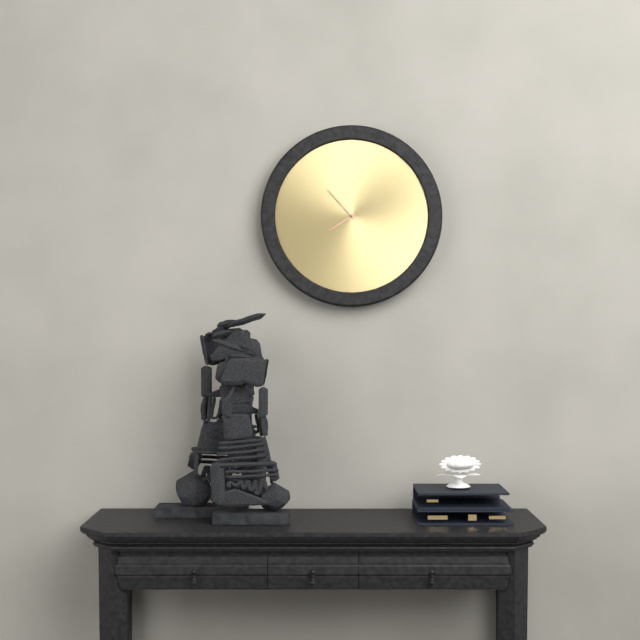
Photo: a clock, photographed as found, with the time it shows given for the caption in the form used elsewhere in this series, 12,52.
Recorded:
7,53
